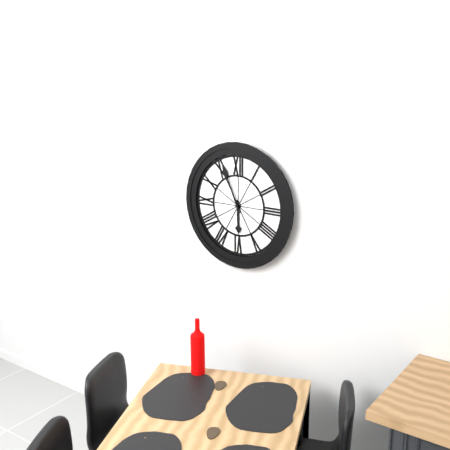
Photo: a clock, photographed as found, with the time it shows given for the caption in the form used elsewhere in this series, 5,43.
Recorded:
5,56
